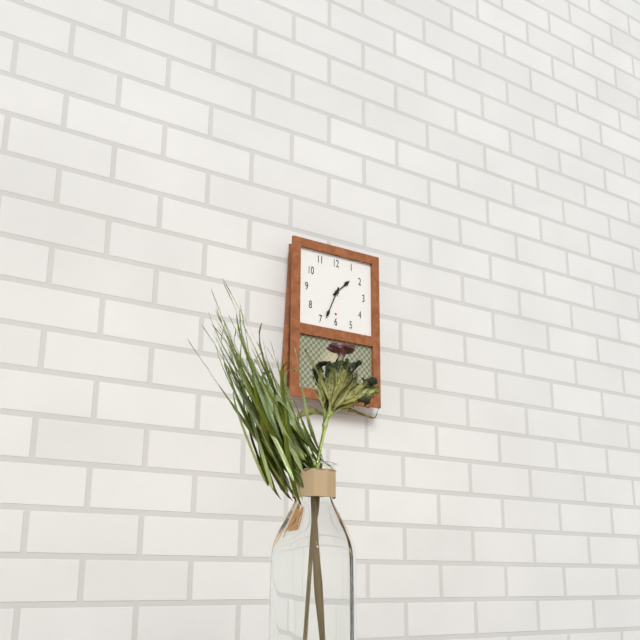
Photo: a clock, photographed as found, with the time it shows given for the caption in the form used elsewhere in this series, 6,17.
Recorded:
1,34
